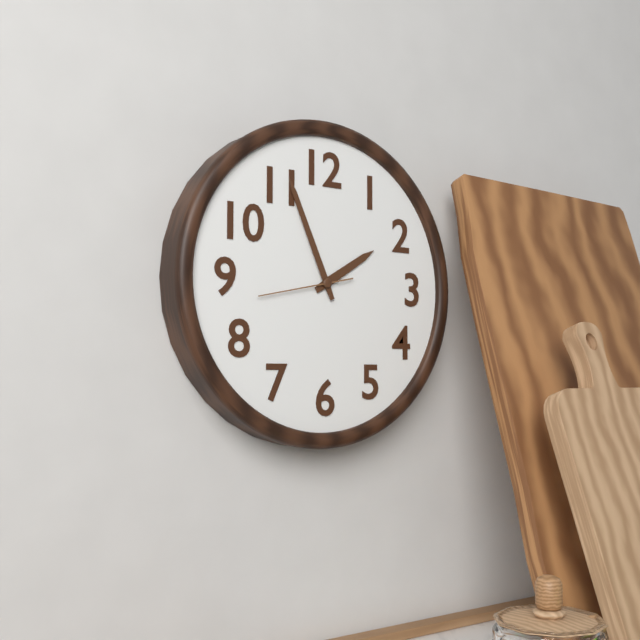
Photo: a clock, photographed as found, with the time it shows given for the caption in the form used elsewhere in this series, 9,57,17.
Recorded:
1,56,43
